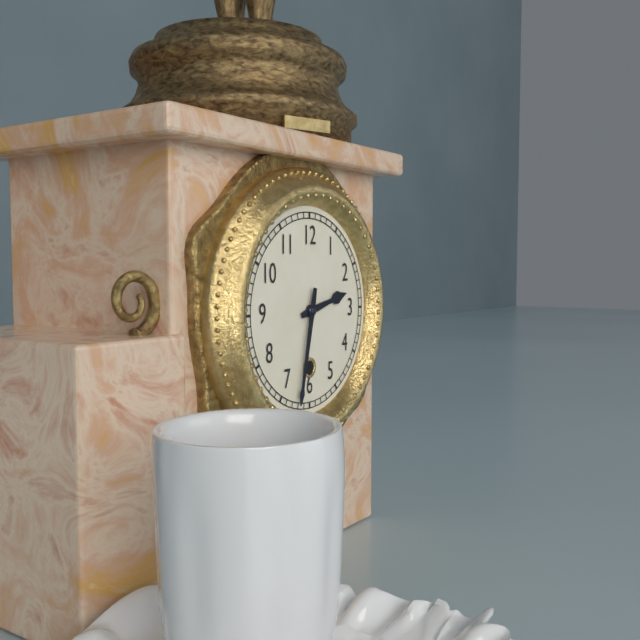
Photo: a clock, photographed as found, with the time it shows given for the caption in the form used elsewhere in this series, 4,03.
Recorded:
2,32
